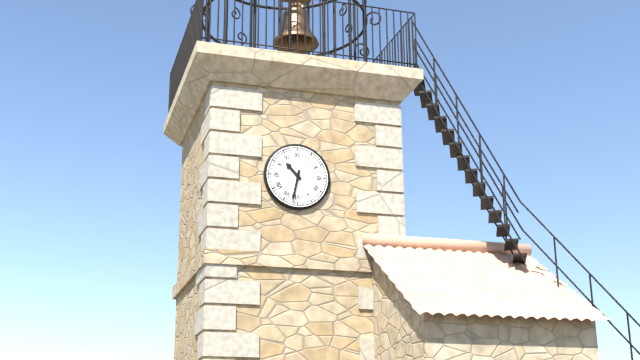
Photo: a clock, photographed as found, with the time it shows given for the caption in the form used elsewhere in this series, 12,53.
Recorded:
10,32
